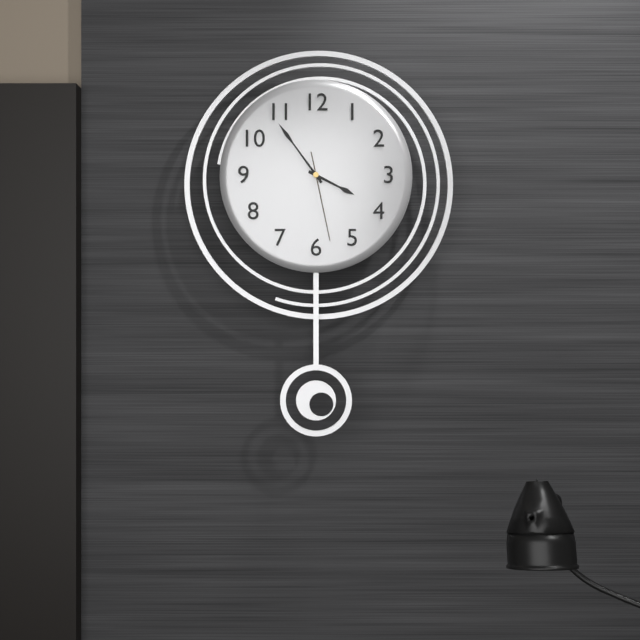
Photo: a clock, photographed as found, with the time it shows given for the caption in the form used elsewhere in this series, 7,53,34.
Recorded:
3,54,28
